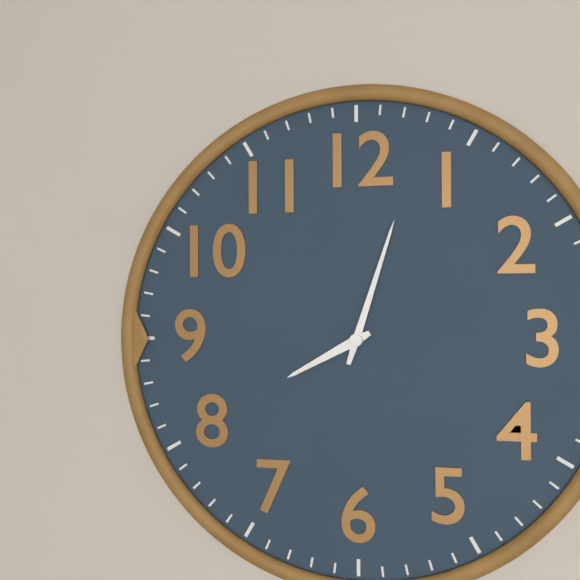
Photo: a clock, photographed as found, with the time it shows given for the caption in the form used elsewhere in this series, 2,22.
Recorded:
8,03
